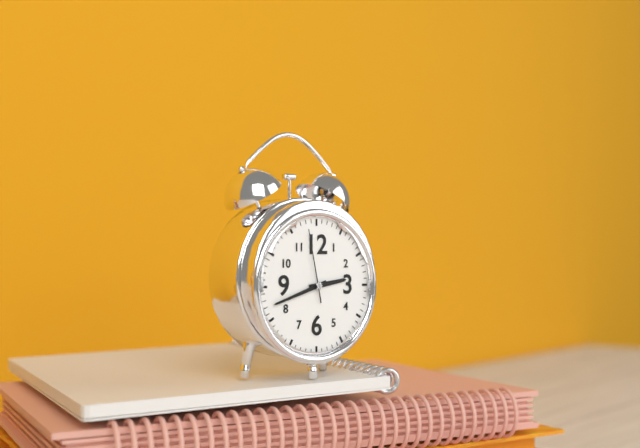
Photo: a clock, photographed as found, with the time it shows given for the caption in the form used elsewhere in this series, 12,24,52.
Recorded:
2,42,58
